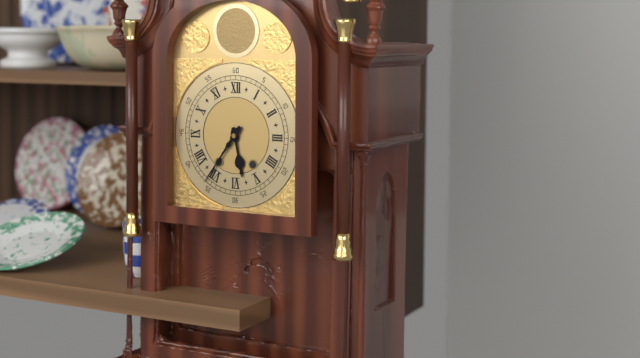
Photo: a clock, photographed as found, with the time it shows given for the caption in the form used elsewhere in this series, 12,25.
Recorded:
5,36
